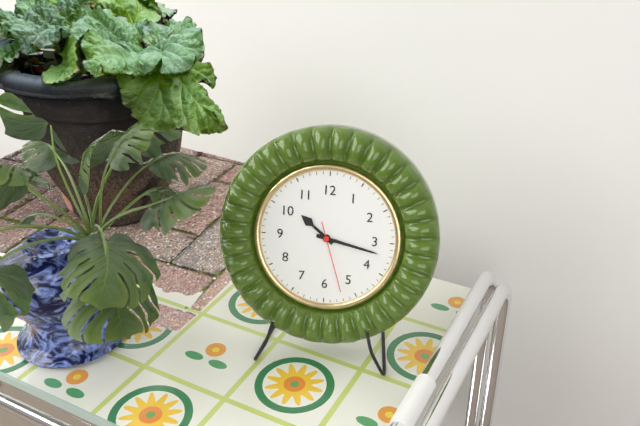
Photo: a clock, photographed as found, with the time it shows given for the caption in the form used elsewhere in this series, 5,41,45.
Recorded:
10,17,27
